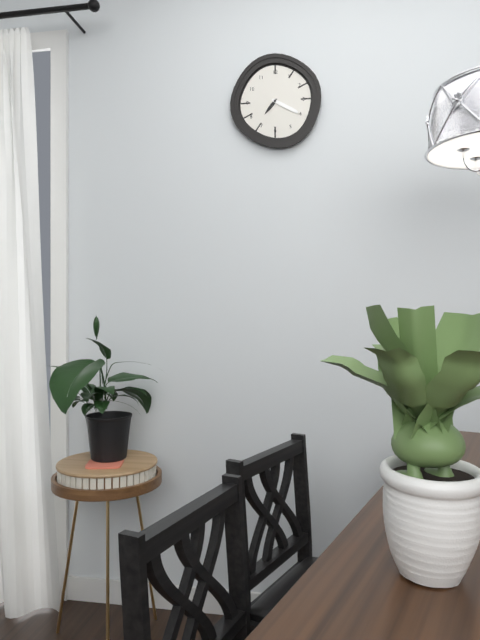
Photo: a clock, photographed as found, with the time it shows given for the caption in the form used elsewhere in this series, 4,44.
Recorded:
7,20
